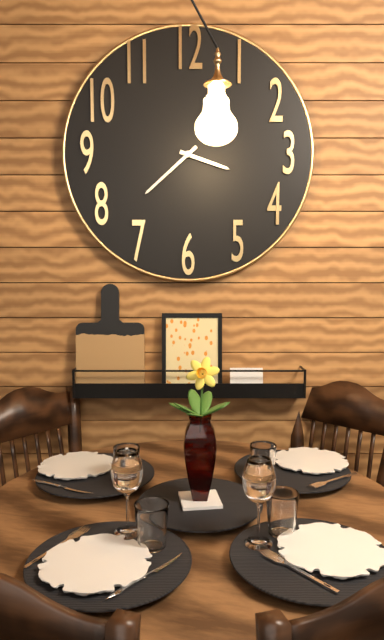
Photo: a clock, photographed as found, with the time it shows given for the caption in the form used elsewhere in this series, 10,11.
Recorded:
3,38
